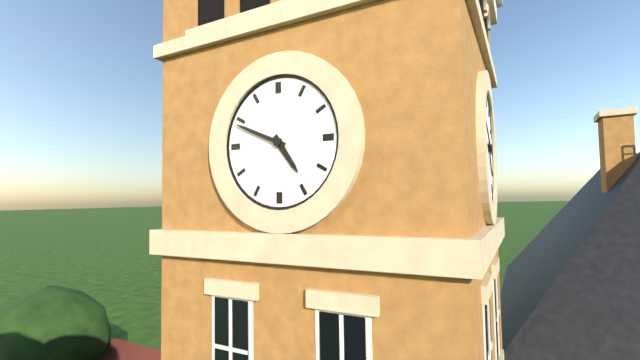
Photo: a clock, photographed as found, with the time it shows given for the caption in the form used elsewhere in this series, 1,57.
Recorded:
4,49
